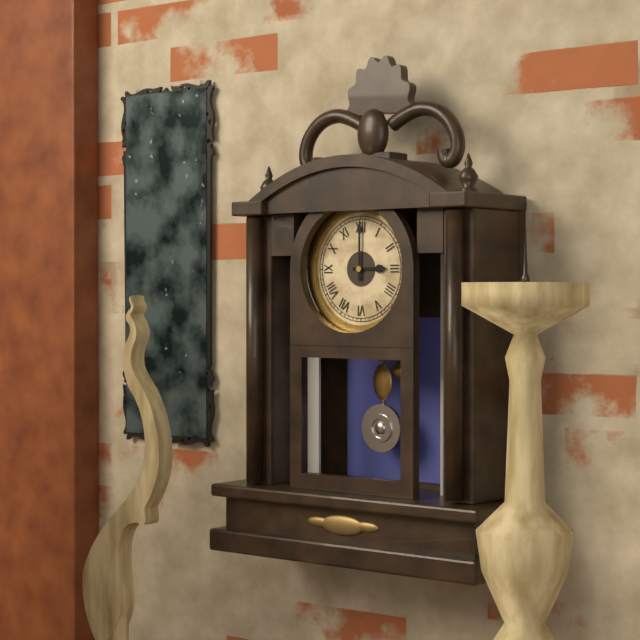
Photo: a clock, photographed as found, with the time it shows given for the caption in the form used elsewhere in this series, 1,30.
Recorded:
3,00
